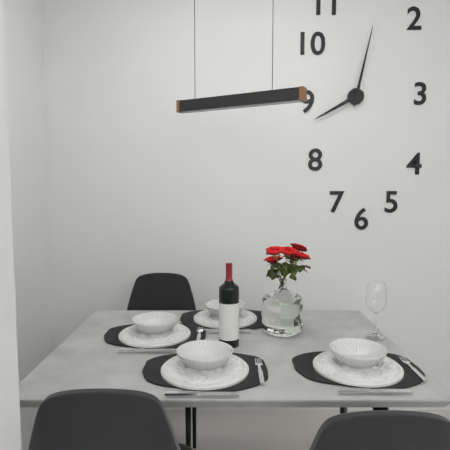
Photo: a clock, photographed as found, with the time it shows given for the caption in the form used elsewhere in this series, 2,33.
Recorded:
8,02
